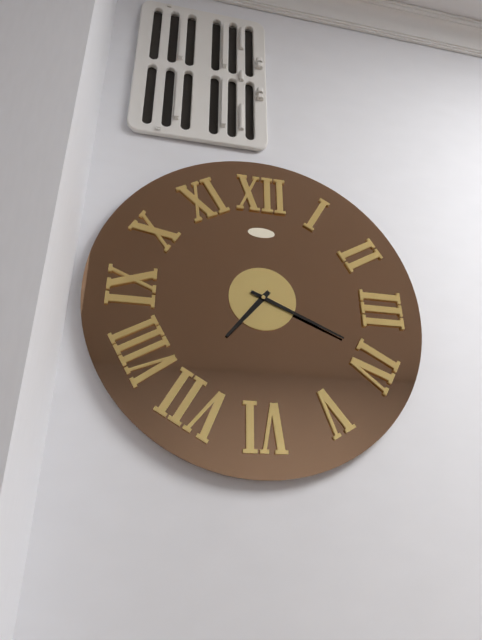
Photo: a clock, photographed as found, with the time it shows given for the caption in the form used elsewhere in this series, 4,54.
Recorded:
7,19
